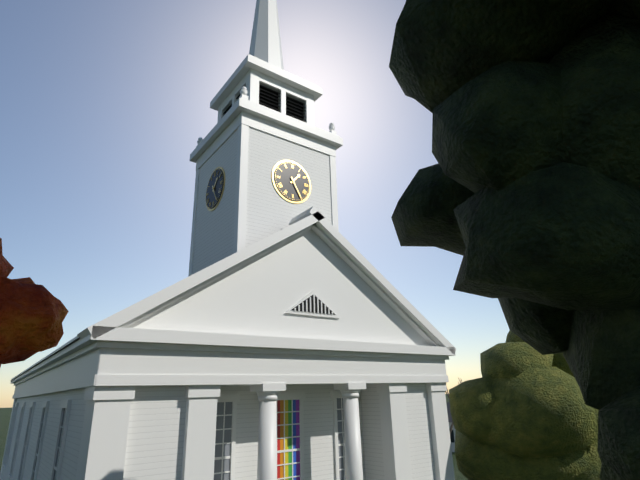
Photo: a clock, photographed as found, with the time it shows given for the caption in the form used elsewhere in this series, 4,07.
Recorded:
1,25
